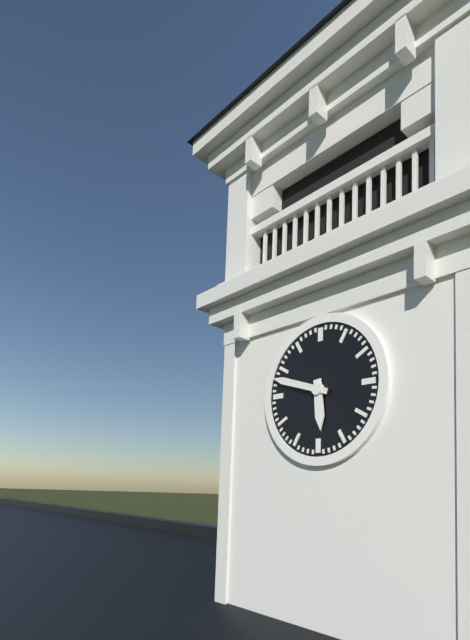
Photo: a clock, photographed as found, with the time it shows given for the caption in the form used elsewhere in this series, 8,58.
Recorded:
5,48
